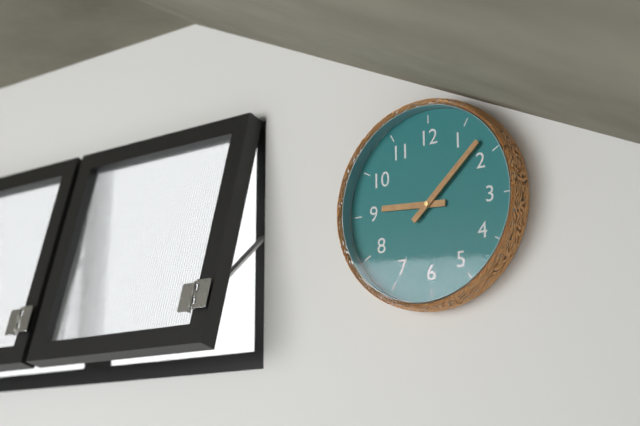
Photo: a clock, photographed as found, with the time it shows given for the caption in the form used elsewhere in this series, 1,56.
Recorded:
9,08
